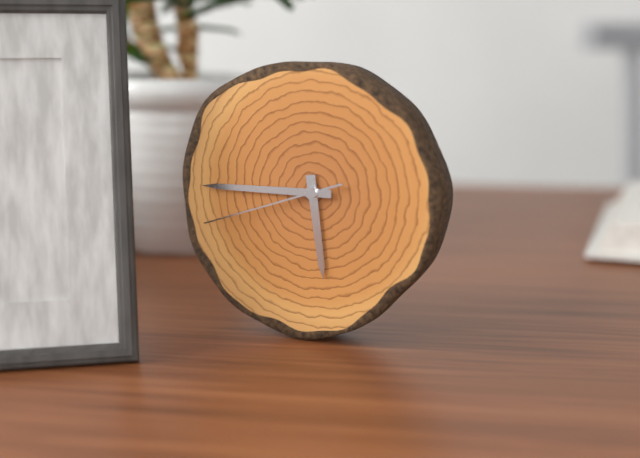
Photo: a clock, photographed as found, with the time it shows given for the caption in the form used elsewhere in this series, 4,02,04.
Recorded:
5,45,42
